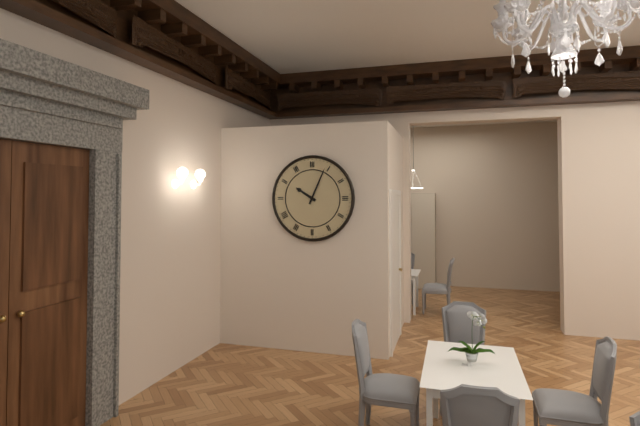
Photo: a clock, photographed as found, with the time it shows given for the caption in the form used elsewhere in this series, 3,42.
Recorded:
10,04
